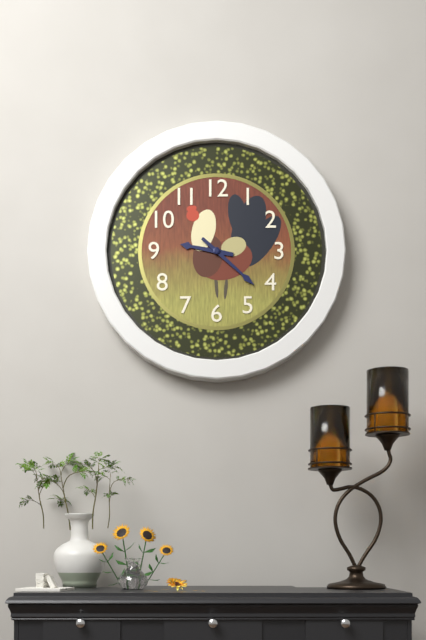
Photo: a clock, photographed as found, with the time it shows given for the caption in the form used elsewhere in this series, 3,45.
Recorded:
9,22
